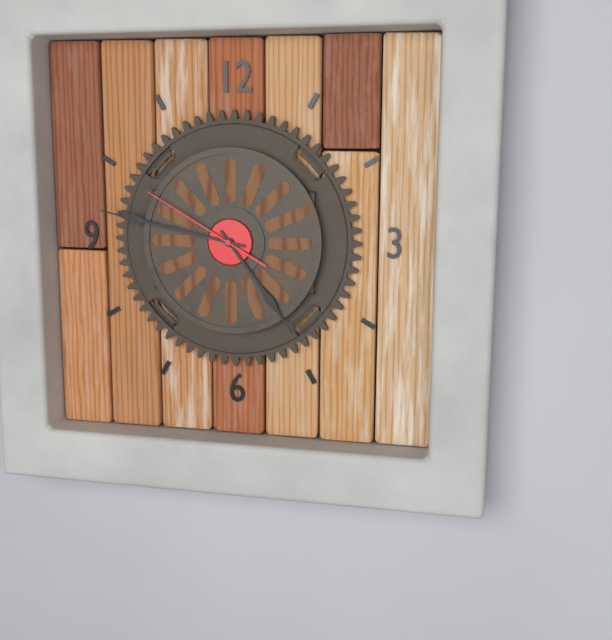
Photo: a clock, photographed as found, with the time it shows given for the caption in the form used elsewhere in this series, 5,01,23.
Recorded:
4,47,50
